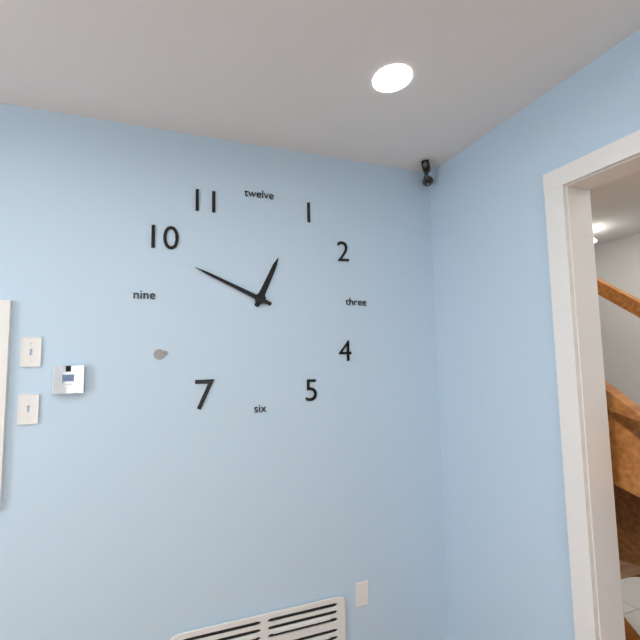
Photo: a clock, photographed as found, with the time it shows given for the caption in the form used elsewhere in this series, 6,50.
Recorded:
12,49
